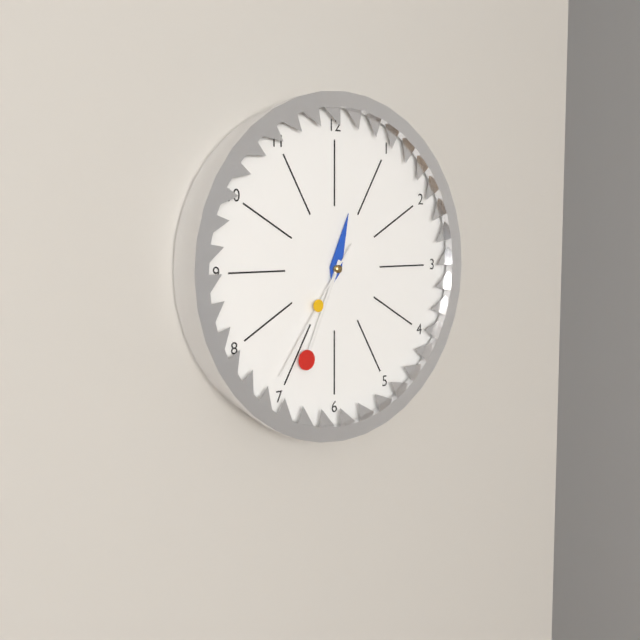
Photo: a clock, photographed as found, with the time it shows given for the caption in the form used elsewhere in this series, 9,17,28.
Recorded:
12,34,36
